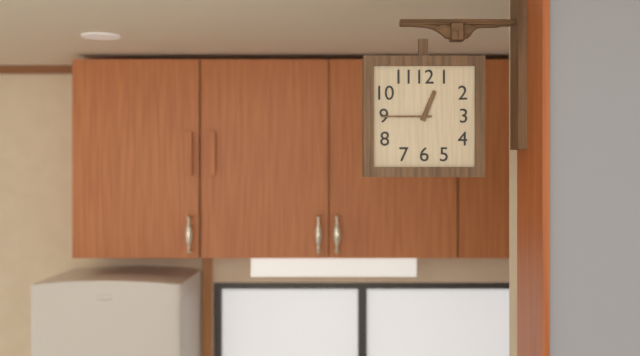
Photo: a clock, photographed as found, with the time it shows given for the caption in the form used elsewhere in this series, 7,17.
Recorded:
12,45
